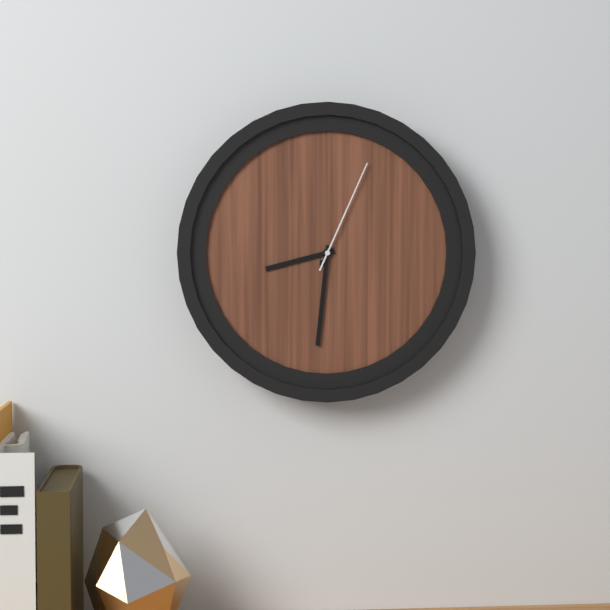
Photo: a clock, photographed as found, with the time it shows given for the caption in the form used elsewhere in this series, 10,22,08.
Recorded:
8,31,04
